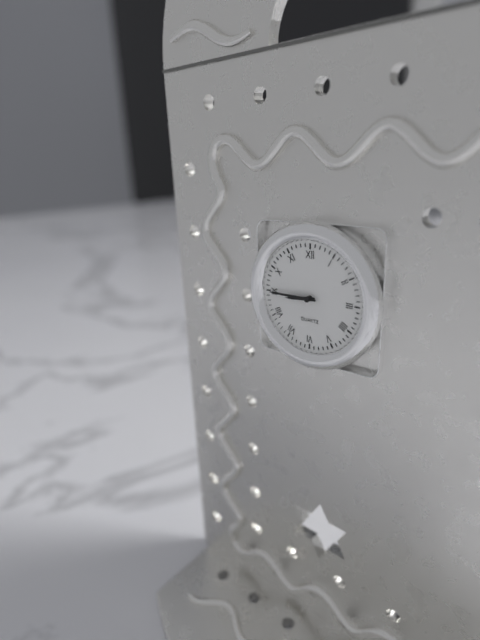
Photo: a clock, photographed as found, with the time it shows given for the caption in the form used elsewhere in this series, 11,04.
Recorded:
8,45
